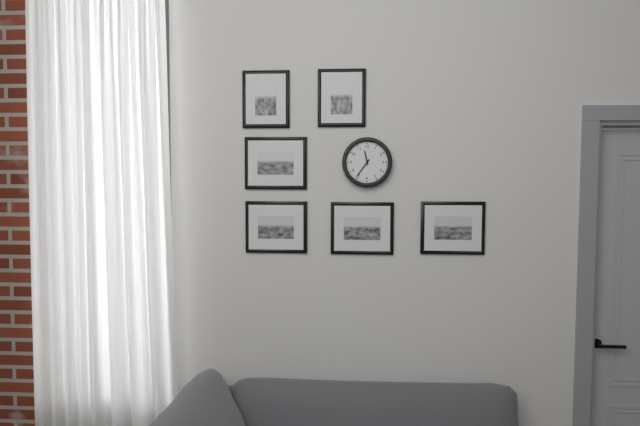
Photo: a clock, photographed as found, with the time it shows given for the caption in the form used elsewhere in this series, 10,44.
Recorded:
11,36
